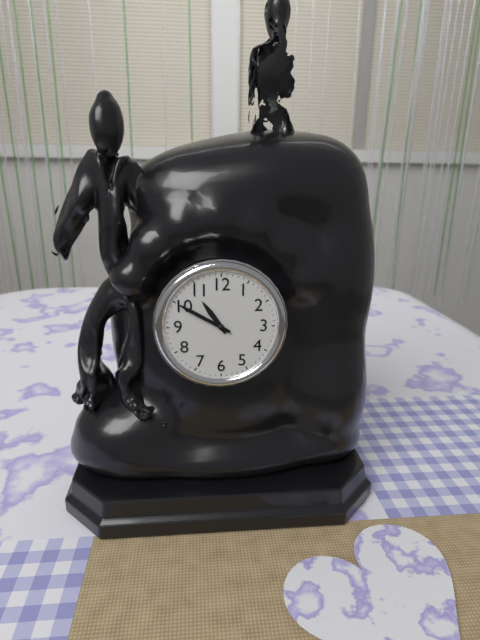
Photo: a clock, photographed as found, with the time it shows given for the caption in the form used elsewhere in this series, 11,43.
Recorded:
10,50
